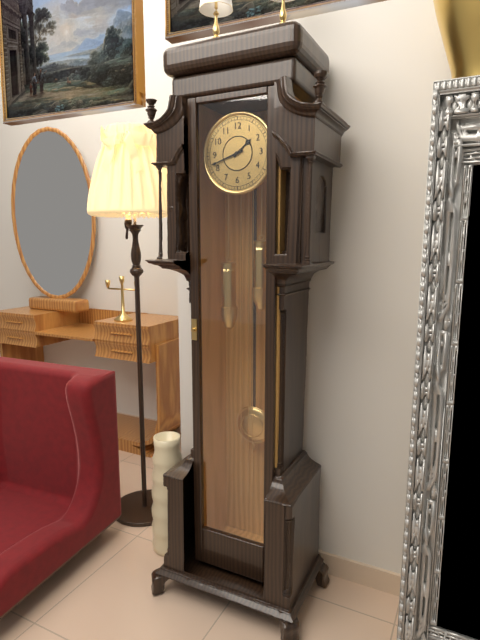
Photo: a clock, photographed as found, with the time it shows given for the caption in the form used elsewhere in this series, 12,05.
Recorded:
1,42
